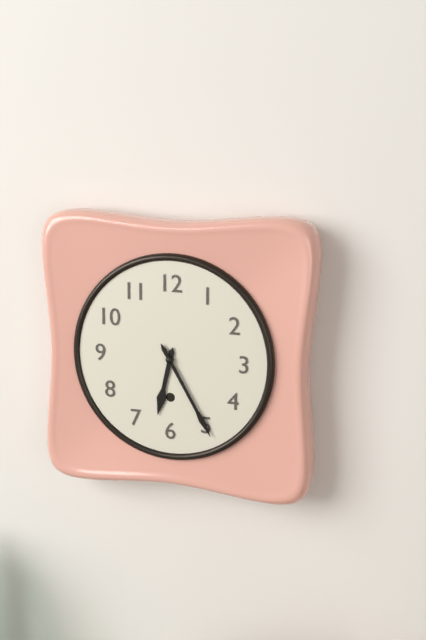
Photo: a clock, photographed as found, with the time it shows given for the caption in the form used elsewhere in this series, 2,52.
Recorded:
6,25
